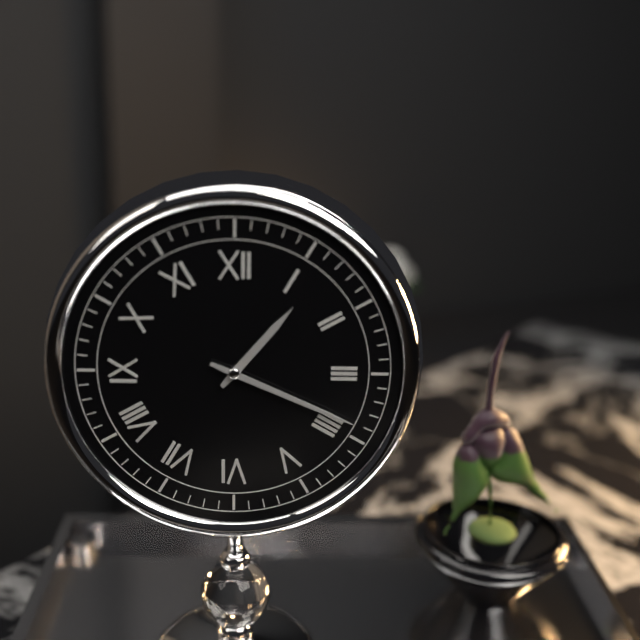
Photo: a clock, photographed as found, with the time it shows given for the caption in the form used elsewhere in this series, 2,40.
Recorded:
1,19
